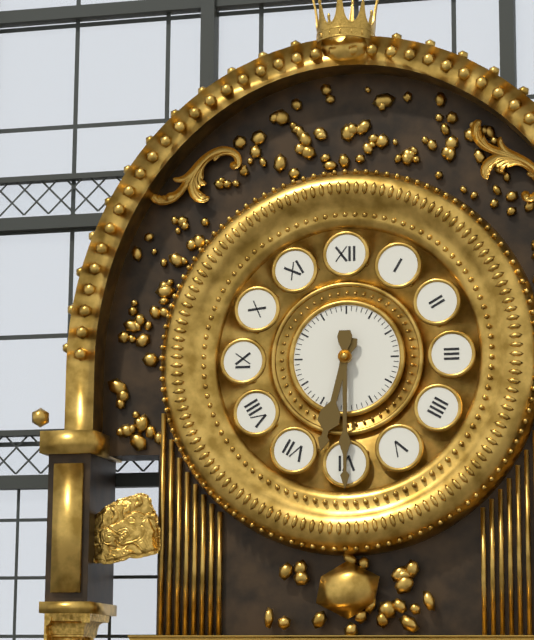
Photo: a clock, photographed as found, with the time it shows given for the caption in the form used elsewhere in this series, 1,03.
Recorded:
6,30
